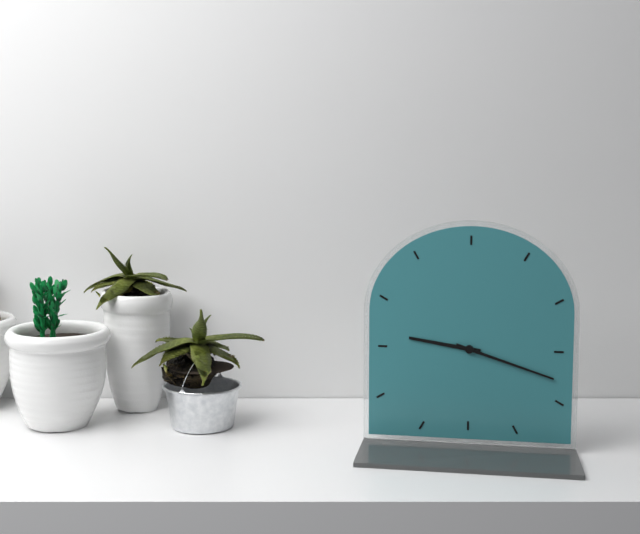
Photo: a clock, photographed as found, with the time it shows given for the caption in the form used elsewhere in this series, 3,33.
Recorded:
9,18
